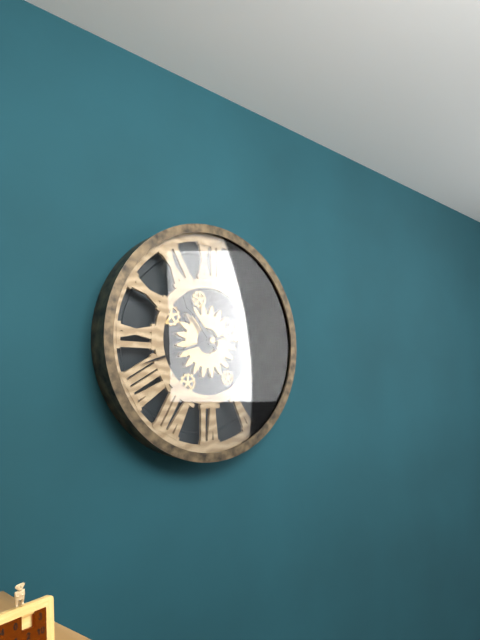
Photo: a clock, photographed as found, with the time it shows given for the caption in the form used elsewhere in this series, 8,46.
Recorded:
10,42
